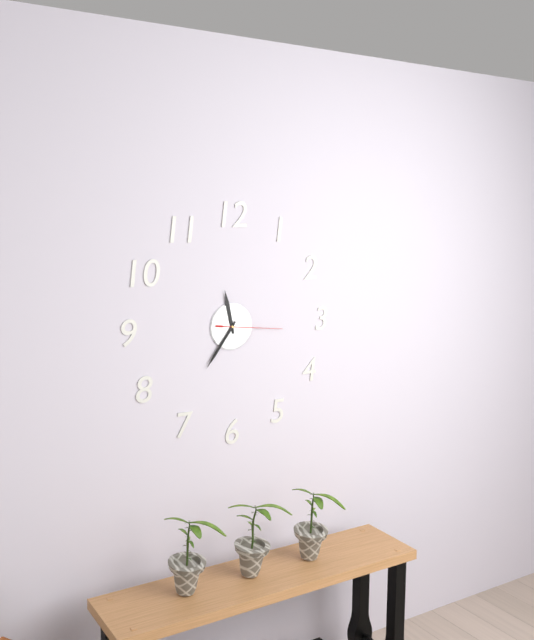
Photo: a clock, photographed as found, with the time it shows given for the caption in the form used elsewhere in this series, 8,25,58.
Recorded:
11,36,16
